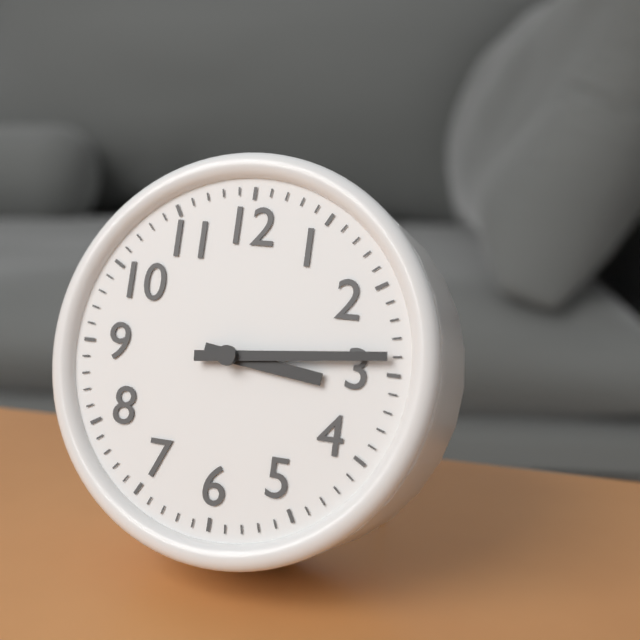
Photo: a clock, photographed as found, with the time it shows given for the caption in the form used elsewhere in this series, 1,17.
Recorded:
3,14
